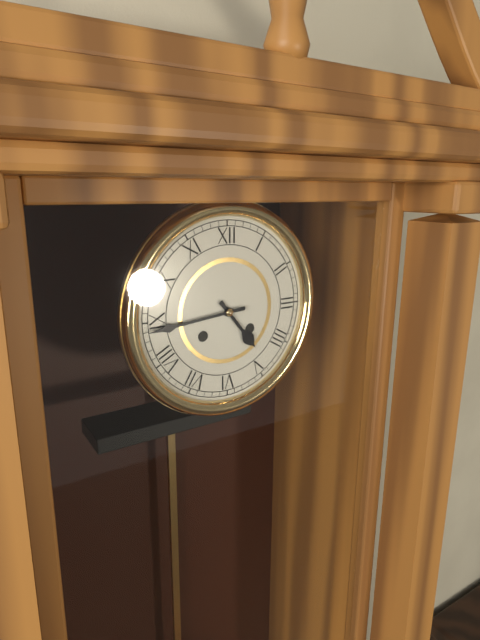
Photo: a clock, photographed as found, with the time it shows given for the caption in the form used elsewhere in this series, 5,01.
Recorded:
4,44
